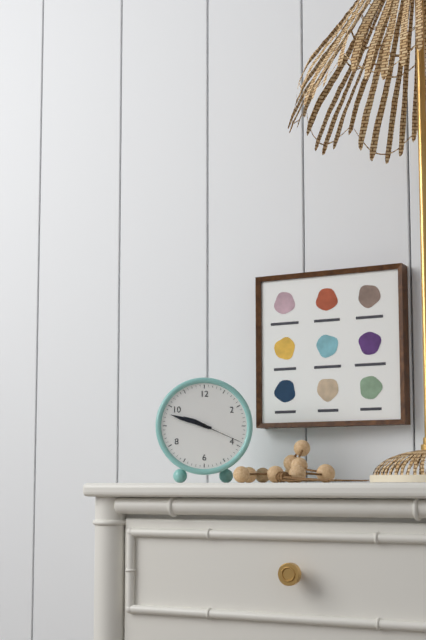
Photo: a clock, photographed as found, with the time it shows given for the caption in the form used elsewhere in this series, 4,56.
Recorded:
9,48
